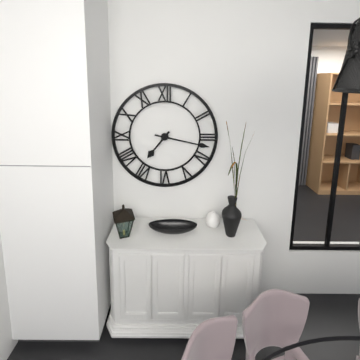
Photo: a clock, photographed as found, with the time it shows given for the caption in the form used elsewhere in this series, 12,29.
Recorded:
7,17
